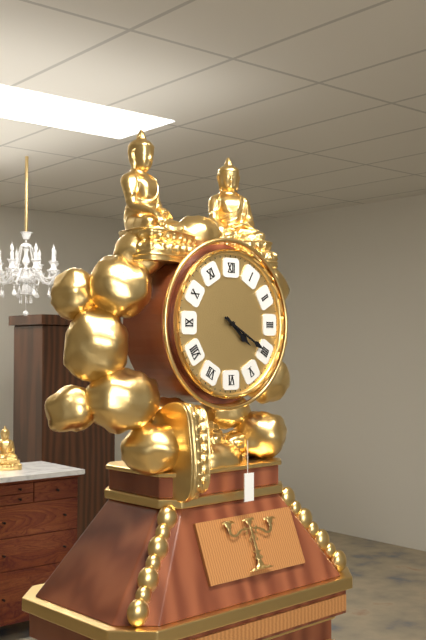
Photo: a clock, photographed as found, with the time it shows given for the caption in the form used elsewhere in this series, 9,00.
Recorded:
4,20
